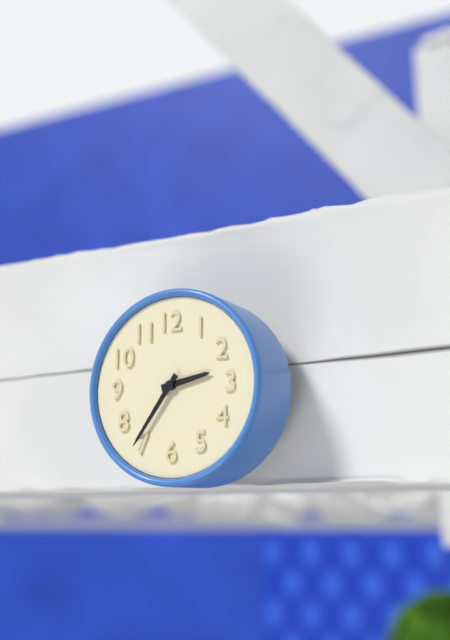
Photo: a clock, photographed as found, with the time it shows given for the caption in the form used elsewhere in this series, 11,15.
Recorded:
2,36
